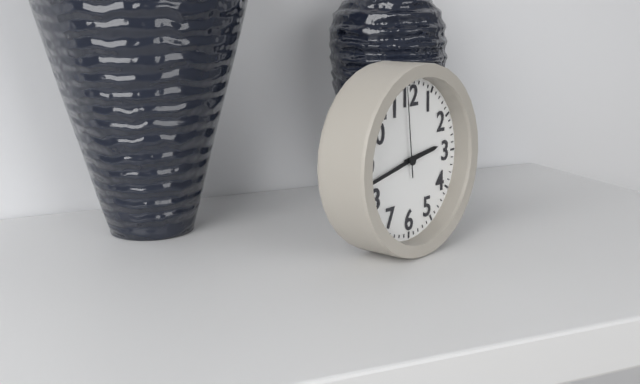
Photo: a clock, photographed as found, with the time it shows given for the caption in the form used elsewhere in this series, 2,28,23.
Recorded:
2,43,59
